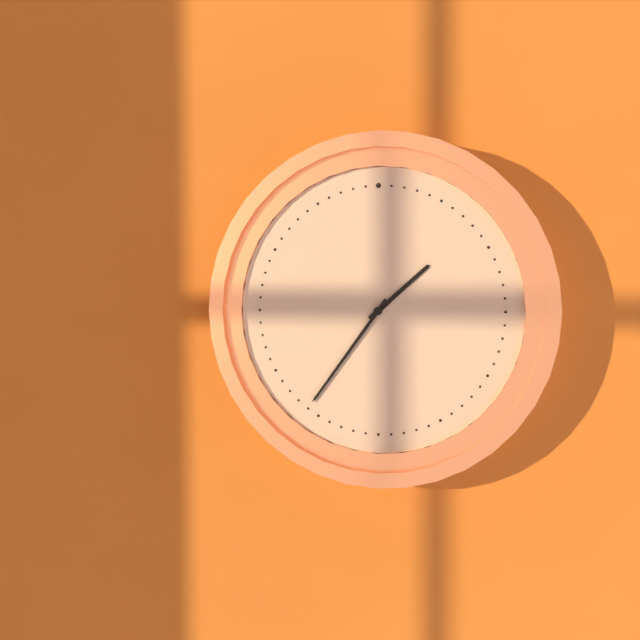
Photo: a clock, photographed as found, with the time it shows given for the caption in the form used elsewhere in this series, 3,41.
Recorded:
1,36
